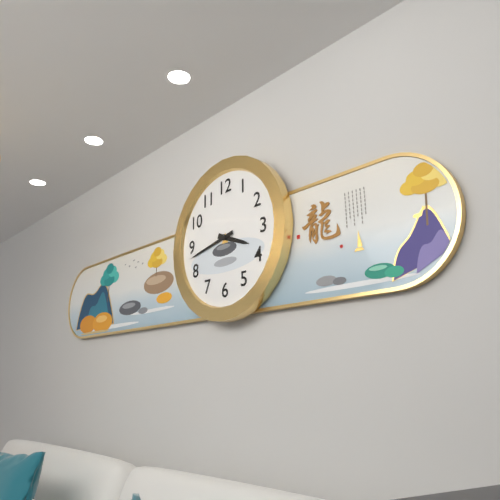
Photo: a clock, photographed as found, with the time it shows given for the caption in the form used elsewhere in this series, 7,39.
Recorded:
3,43
